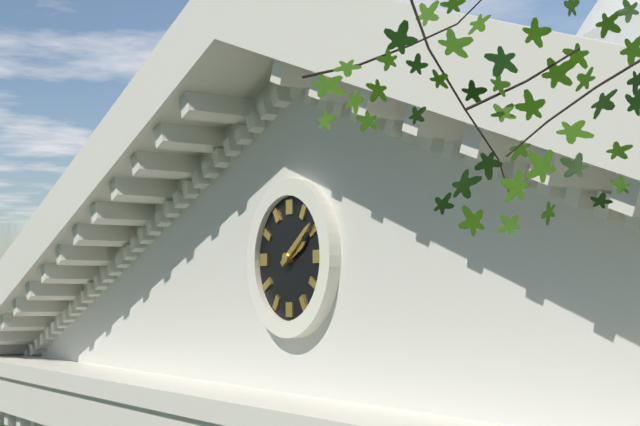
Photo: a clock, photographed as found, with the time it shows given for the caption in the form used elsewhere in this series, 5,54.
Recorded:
2,09
